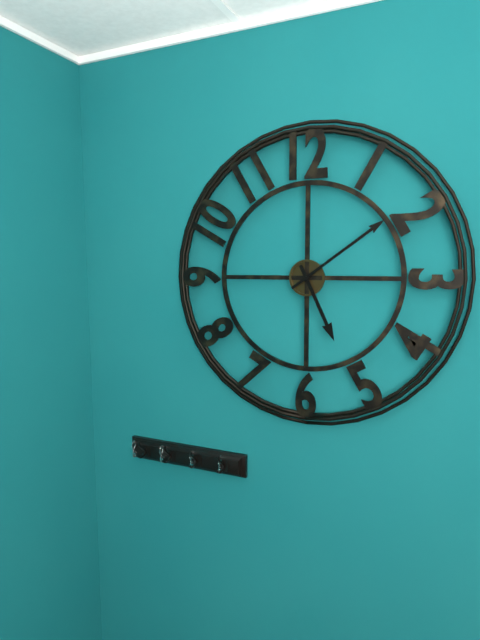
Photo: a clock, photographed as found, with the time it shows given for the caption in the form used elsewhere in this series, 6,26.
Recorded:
5,09
